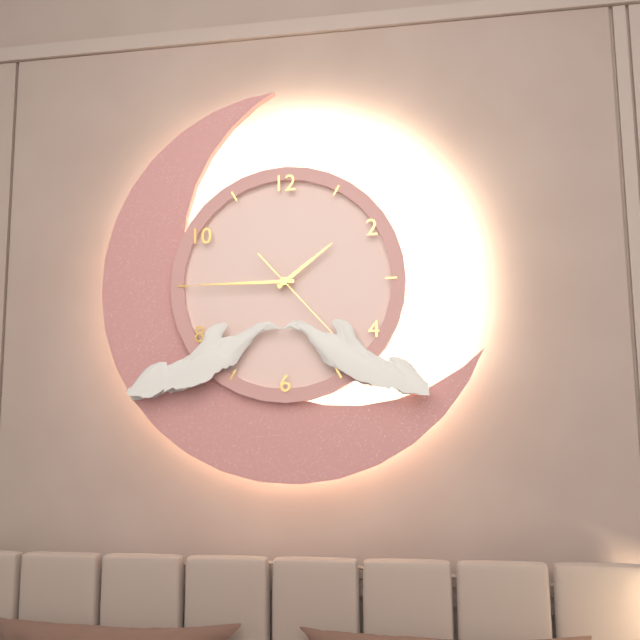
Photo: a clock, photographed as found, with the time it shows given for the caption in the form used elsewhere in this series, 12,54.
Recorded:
1,45
